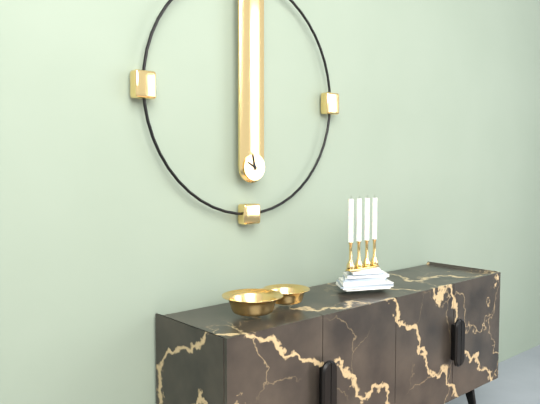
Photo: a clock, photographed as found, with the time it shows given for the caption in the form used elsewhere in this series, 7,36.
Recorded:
9,58
